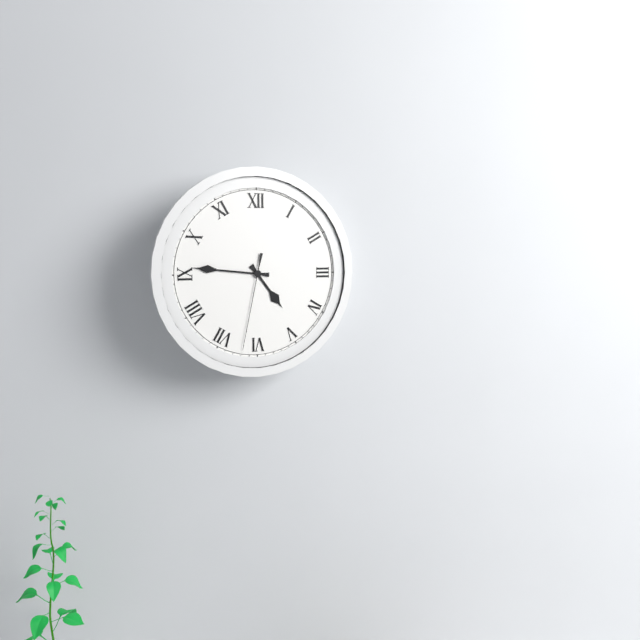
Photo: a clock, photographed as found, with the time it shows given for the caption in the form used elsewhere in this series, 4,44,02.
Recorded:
4,46,32
